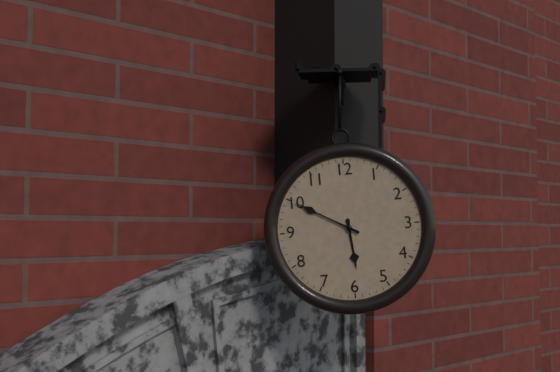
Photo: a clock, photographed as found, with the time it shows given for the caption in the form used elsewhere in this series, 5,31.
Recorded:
5,50
